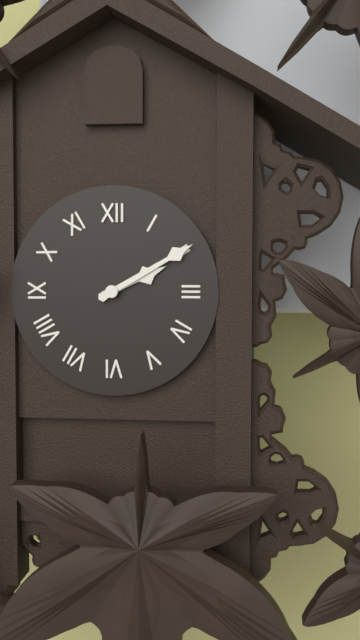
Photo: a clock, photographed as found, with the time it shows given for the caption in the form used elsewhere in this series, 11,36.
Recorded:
2,10
